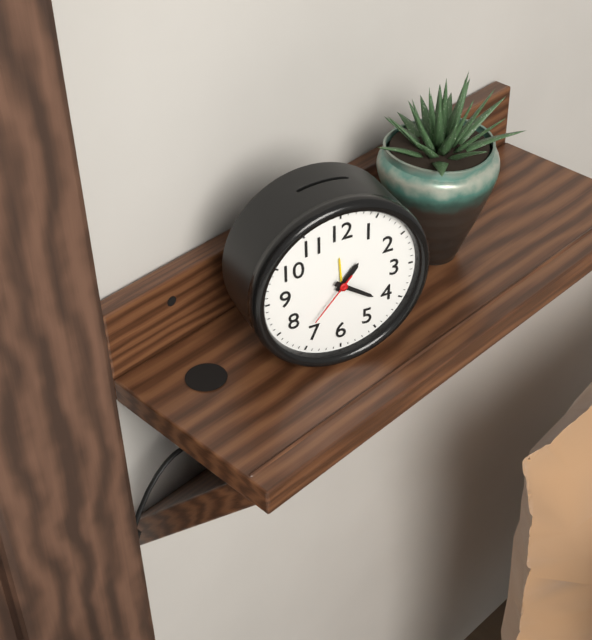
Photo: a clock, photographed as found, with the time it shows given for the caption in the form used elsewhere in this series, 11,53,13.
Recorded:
1,21,37
